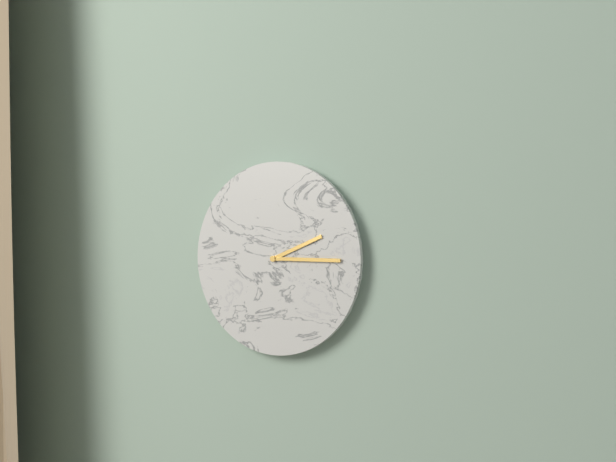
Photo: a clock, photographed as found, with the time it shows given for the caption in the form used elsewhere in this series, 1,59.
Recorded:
2,15
